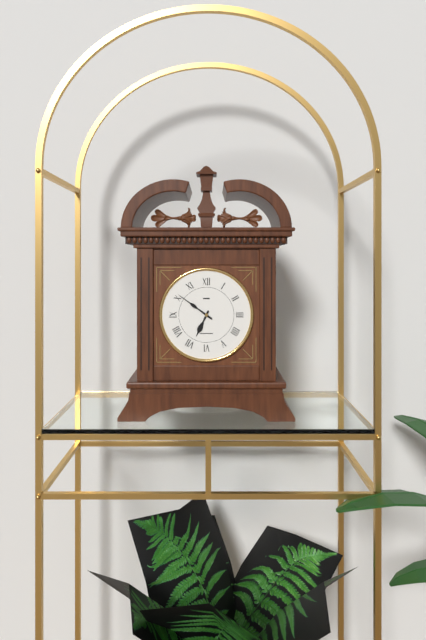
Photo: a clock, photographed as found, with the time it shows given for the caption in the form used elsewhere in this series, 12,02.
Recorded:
6,51
